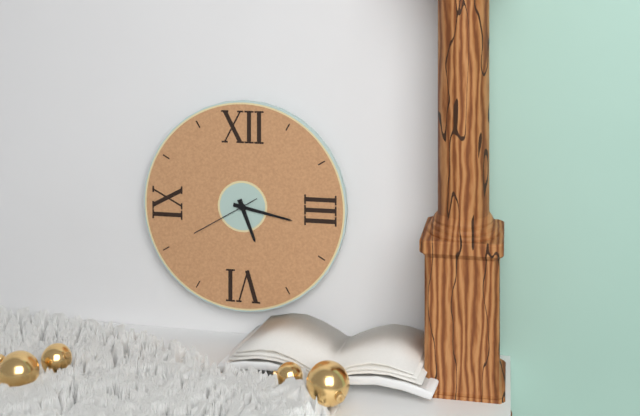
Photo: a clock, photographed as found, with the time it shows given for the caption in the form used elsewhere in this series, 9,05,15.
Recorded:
5,17,40
